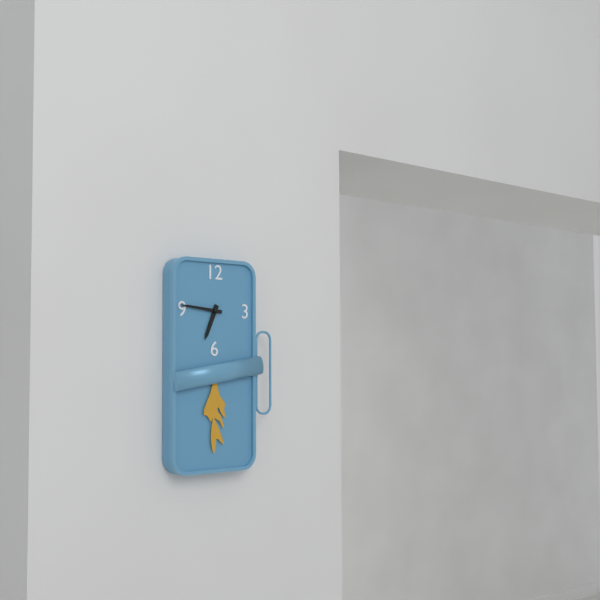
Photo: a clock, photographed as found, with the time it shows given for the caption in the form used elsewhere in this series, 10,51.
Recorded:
6,46
